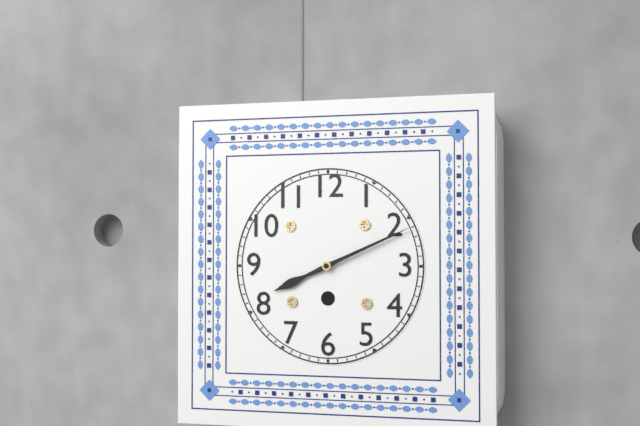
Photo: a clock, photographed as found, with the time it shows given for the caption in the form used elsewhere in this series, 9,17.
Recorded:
8,11
